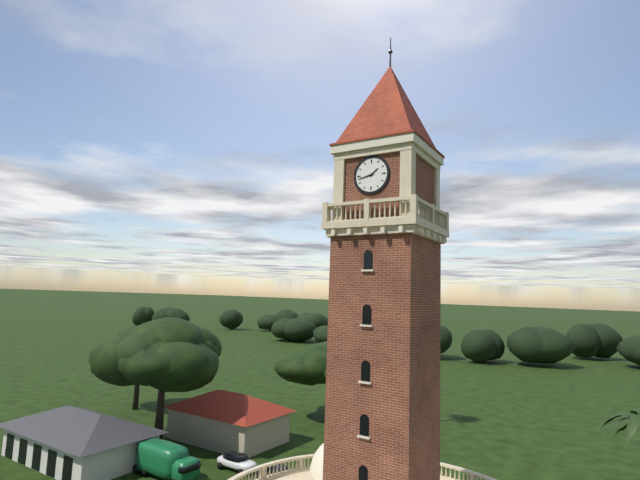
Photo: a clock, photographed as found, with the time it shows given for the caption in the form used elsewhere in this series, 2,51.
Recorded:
1,43
